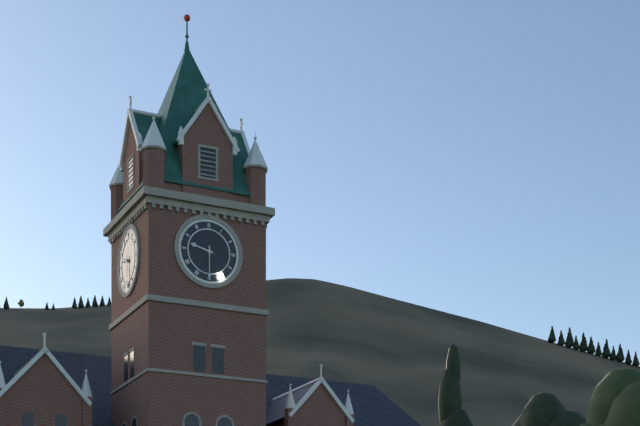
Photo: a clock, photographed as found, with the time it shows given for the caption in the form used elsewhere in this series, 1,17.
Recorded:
9,30
